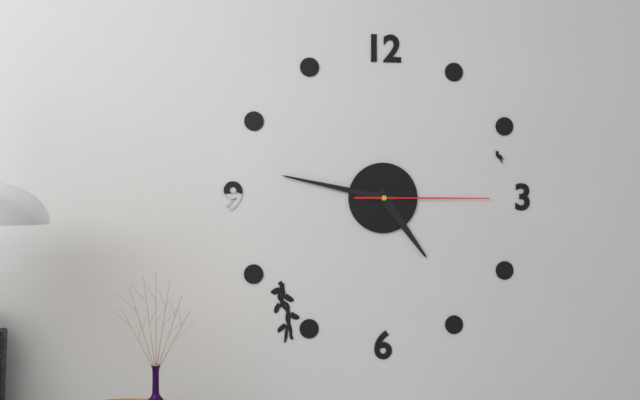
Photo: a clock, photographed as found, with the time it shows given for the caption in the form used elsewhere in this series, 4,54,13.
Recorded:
4,47,15
